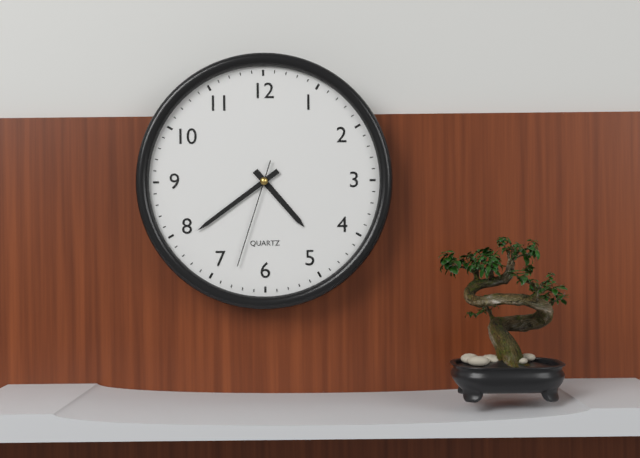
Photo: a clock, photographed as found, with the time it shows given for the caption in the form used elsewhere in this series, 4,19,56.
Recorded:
4,39,33
